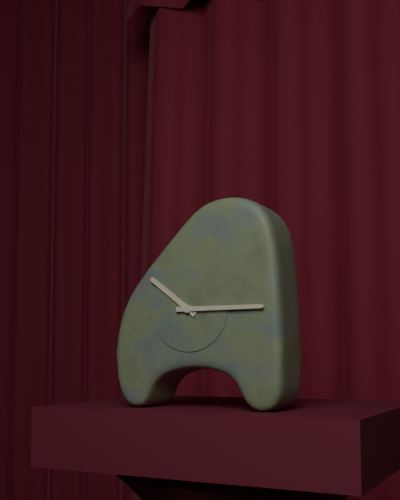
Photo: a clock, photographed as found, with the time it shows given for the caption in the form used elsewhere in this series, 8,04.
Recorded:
10,15
